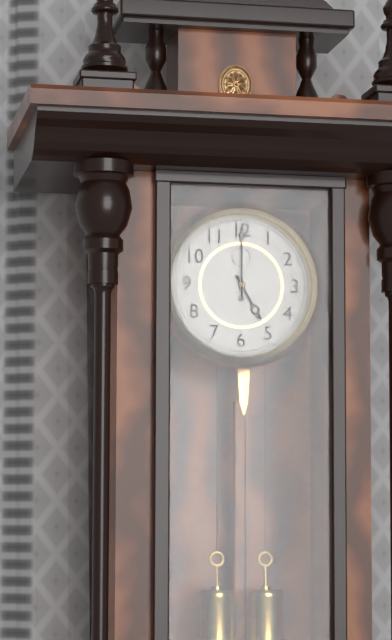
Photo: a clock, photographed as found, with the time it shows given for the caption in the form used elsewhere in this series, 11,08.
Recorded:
5,00
